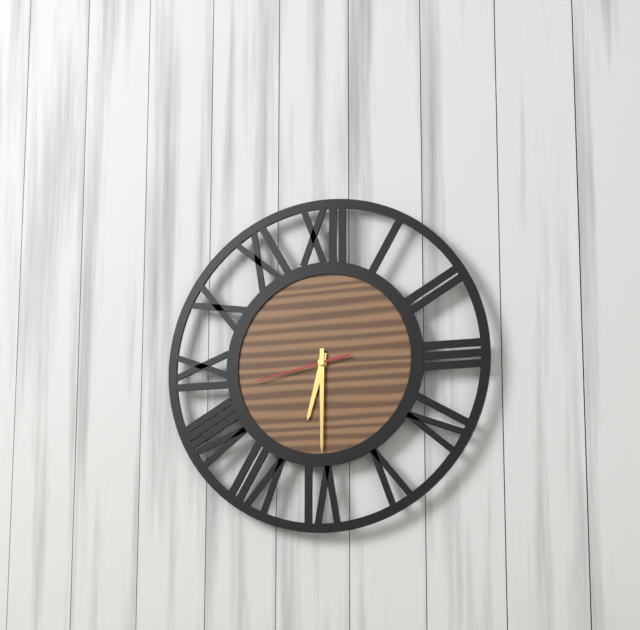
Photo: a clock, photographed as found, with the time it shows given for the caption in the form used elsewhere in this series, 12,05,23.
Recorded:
6,30,43
